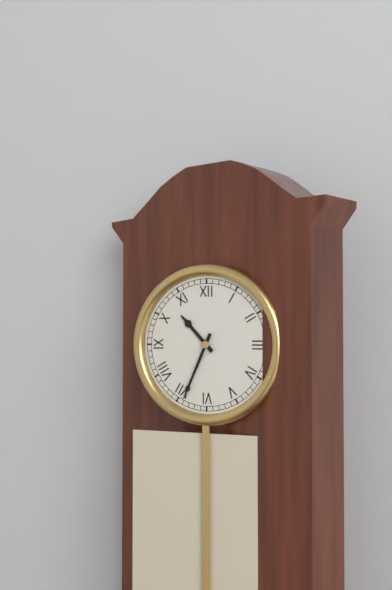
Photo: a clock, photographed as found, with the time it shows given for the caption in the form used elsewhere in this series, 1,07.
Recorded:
10,34
